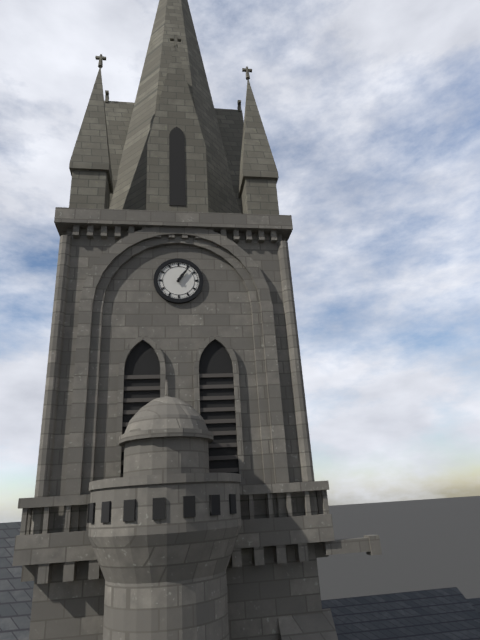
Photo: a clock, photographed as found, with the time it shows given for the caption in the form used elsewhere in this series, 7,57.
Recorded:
1,06
